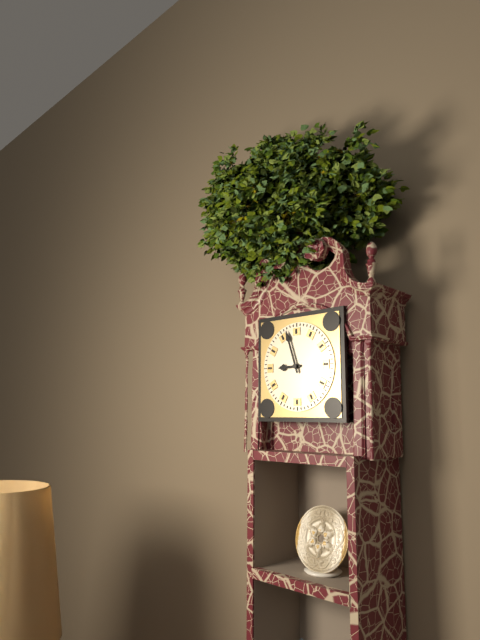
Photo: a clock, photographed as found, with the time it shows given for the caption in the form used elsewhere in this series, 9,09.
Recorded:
8,57
